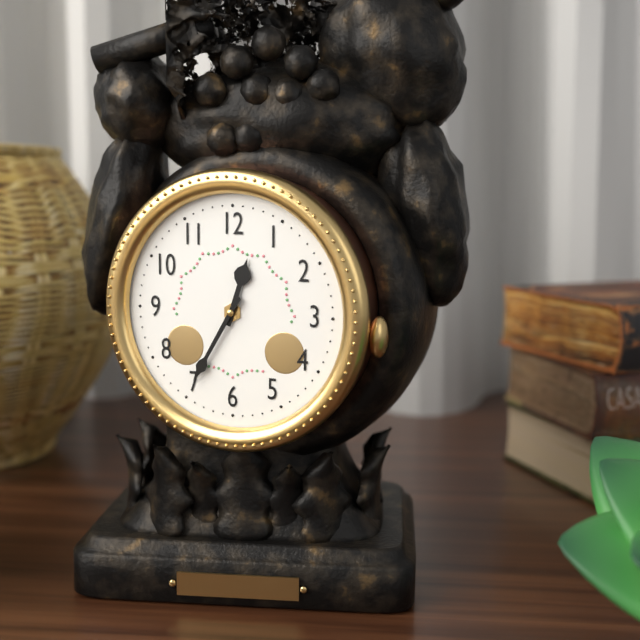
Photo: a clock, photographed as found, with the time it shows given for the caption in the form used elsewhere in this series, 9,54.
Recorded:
12,35
